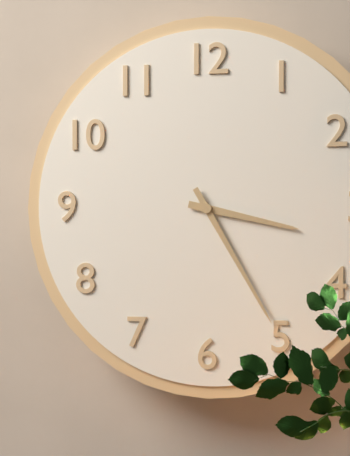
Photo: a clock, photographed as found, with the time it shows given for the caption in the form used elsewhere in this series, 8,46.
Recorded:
3,25
